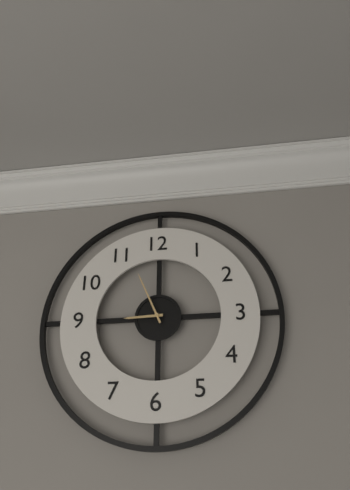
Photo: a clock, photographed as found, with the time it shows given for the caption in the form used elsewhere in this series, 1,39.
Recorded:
8,56
